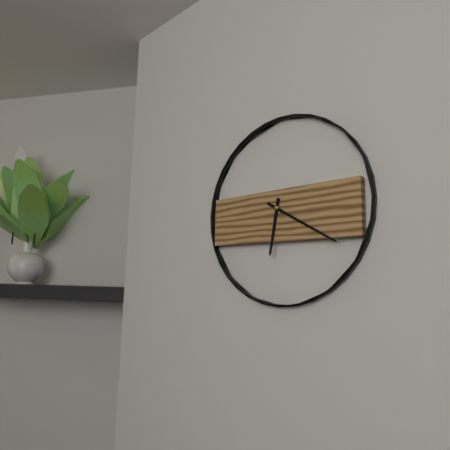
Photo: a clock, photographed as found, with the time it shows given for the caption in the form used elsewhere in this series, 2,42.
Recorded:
6,20
